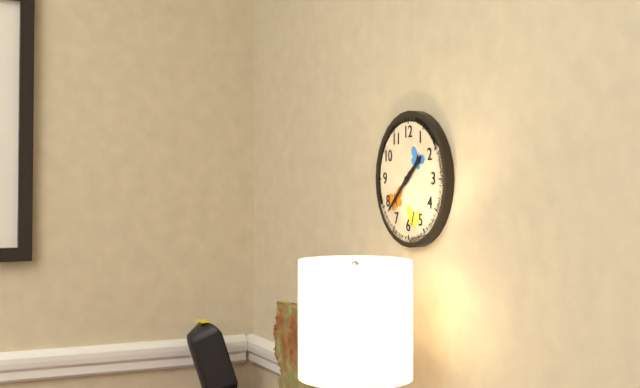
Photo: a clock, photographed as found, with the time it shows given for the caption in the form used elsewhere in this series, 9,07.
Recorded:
1,38
